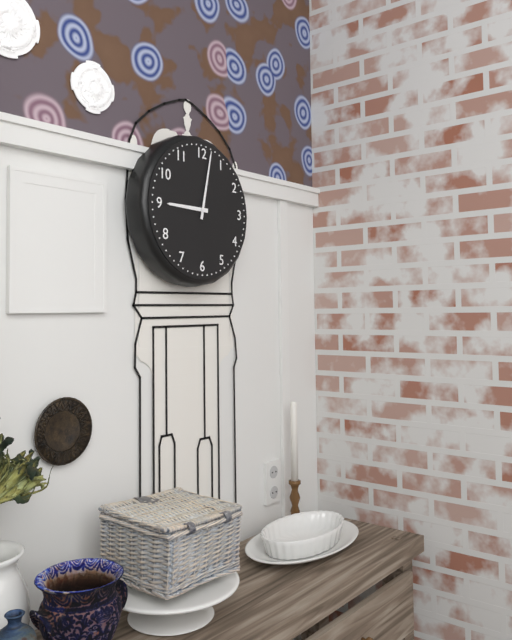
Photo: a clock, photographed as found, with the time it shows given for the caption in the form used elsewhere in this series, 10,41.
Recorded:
9,02
